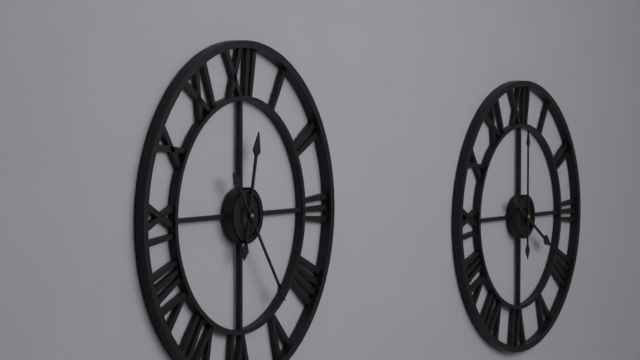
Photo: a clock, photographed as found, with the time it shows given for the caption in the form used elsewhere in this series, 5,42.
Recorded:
12,24
